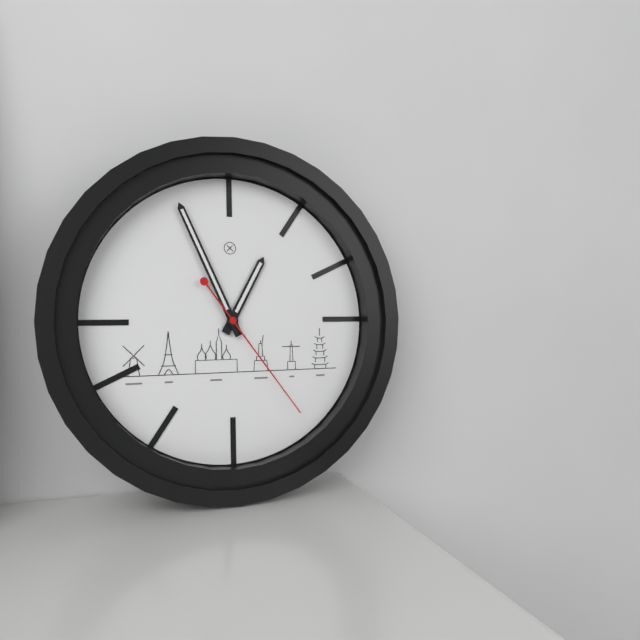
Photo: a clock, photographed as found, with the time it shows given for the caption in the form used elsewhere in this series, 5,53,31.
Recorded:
12,56,24
